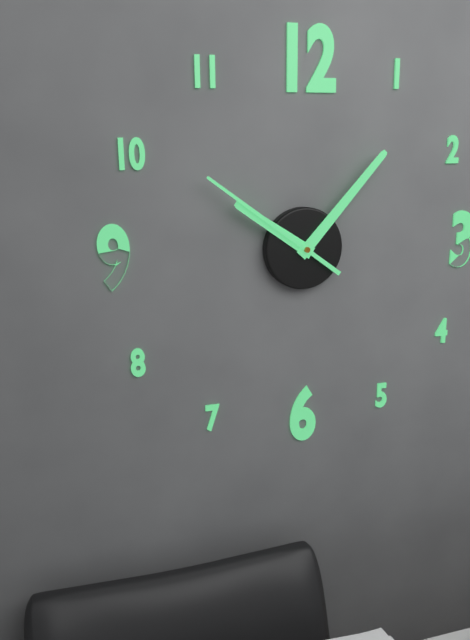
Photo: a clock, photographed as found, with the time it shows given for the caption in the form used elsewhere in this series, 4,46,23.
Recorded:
10,07,51
